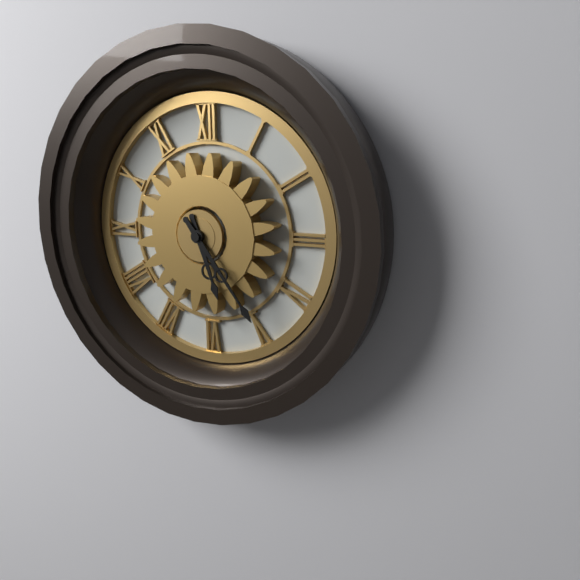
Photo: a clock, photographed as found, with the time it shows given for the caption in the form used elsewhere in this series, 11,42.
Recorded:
5,24
